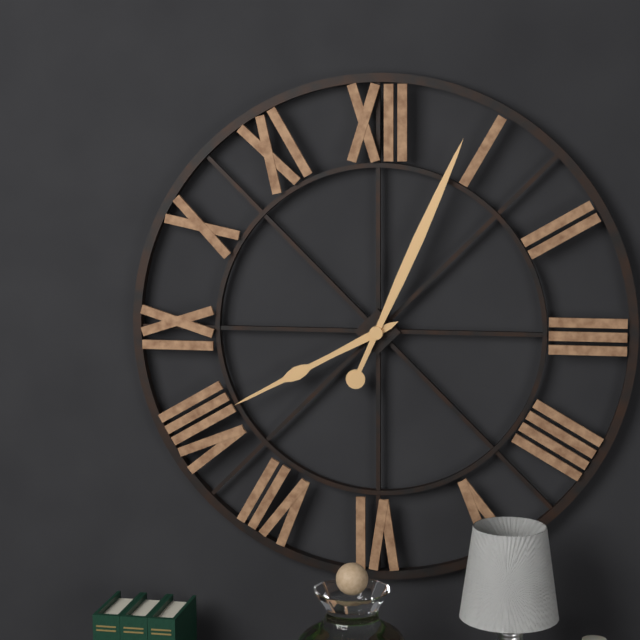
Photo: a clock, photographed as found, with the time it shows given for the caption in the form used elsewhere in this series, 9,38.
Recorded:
8,04
